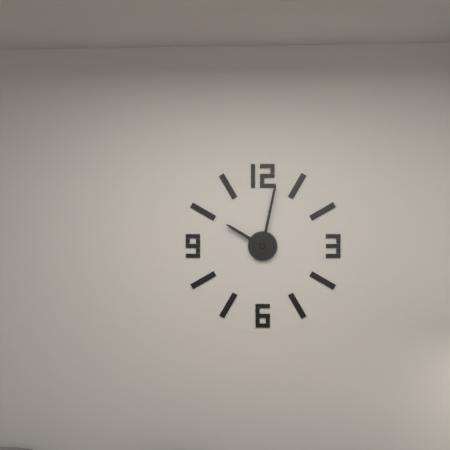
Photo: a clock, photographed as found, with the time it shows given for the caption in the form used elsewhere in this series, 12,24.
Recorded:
10,02
